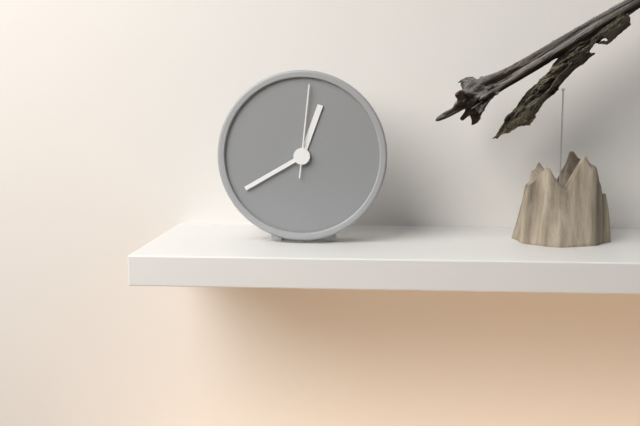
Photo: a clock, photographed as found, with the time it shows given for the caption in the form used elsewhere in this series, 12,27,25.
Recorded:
12,40,01
